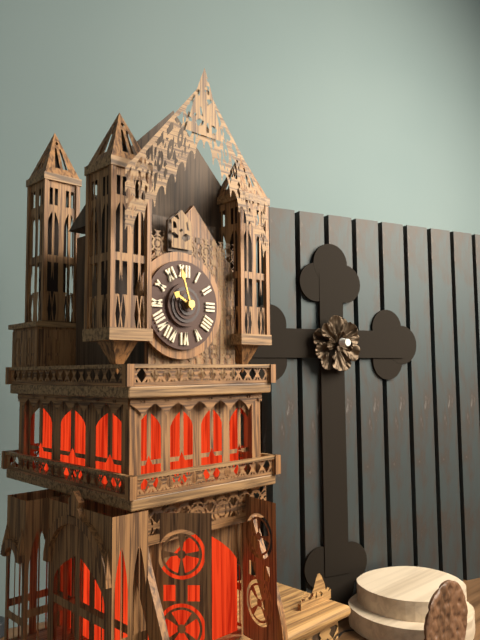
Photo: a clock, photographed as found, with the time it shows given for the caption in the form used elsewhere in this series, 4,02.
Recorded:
9,57
